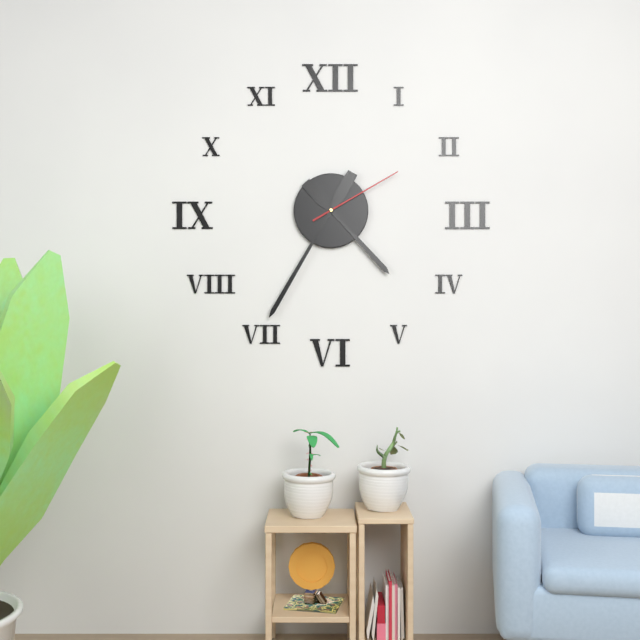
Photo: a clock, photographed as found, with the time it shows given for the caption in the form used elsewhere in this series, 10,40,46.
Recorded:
4,35,10
